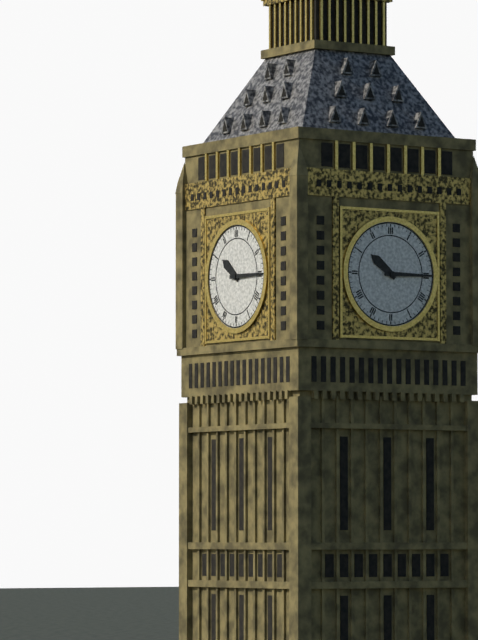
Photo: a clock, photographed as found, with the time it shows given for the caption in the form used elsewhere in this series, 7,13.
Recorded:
10,15
